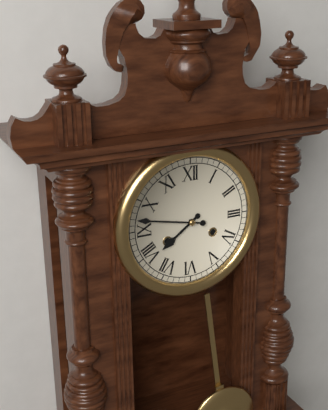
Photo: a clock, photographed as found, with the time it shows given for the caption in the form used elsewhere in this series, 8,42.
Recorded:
7,47
